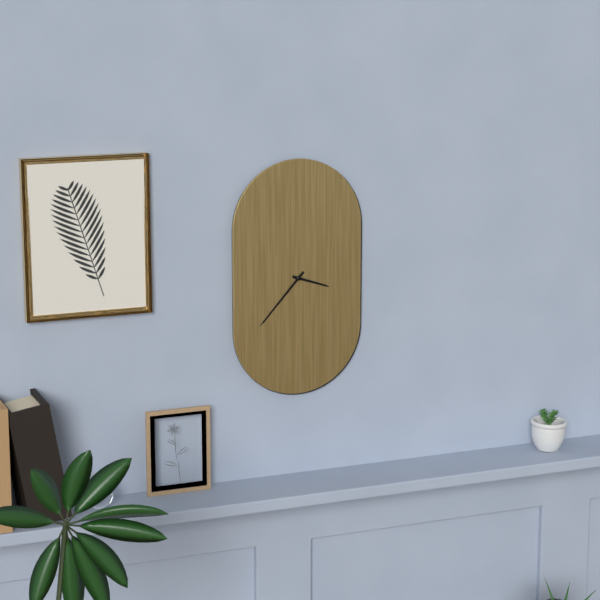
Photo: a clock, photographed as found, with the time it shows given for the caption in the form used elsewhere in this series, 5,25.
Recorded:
3,37
